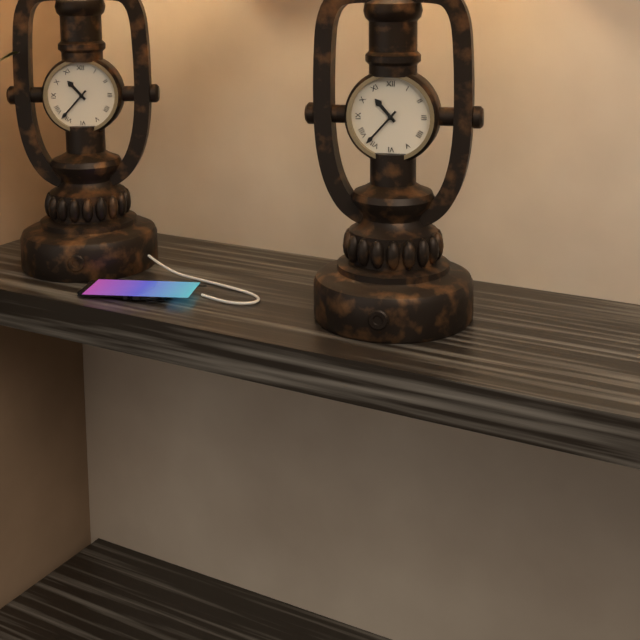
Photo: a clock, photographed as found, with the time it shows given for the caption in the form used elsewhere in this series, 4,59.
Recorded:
10,37
